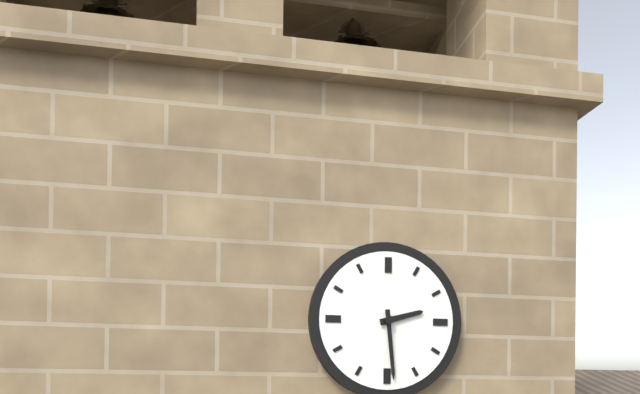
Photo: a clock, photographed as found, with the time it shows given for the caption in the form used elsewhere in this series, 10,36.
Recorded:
2,29
